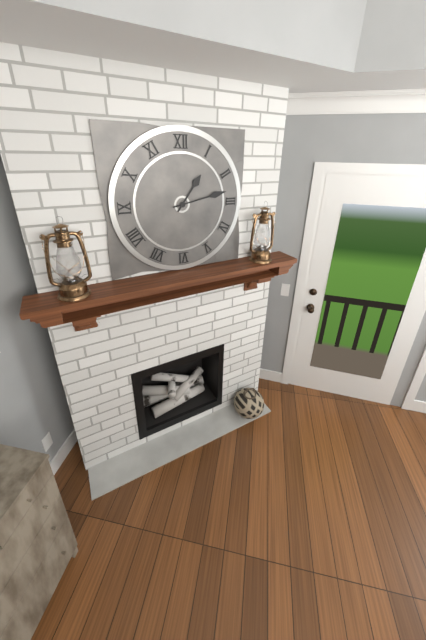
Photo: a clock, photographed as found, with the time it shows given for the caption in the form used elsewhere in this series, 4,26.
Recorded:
1,13
